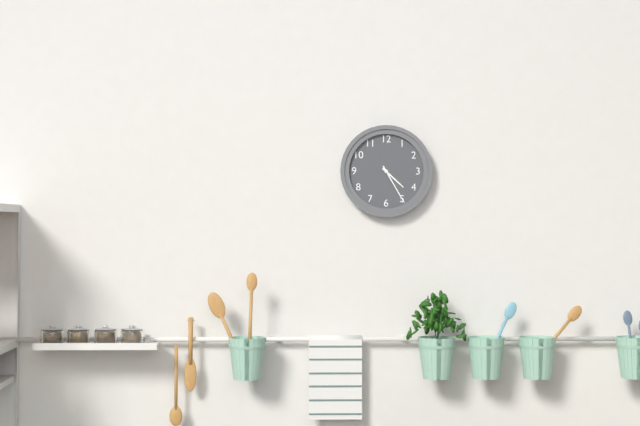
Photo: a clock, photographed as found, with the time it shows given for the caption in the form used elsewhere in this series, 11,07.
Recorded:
4,25
